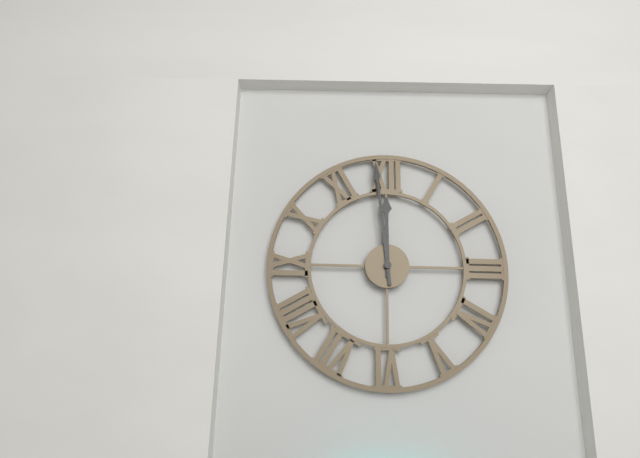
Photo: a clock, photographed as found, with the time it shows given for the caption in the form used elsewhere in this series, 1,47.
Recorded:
11,59
